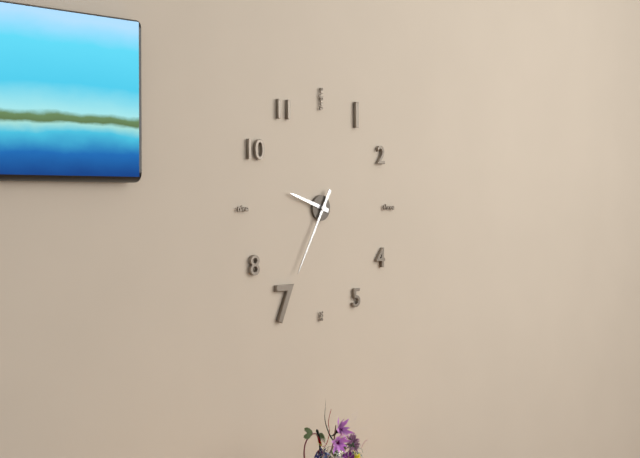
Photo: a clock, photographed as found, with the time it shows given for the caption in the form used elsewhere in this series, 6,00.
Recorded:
9,35
